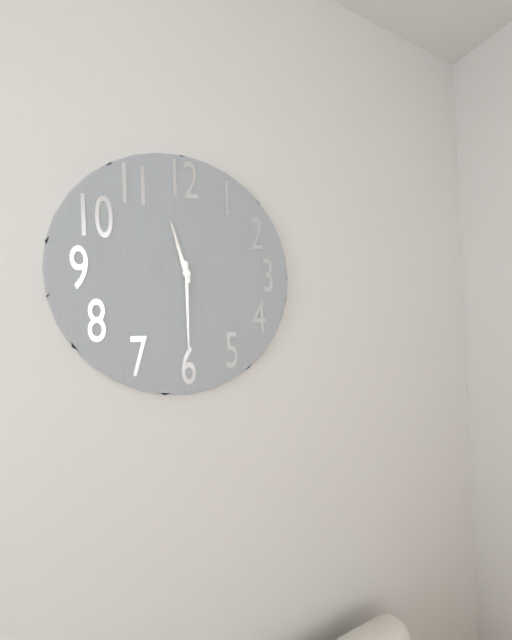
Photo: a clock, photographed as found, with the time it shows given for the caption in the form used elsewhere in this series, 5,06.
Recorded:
11,30
